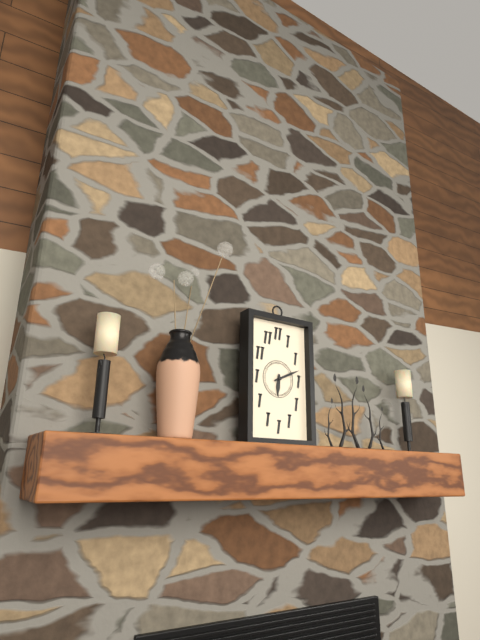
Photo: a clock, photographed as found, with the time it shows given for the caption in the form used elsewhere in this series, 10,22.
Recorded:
6,11
